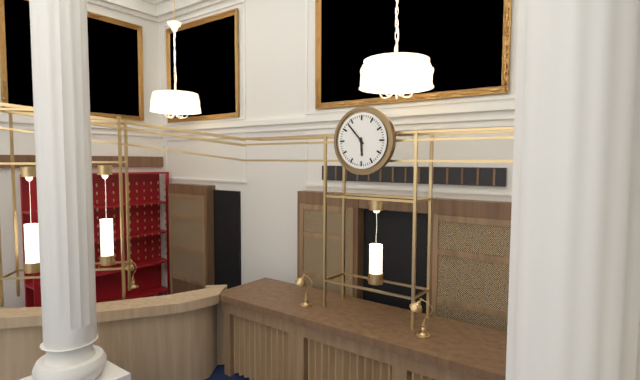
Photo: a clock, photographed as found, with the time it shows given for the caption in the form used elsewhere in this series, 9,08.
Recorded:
5,53
